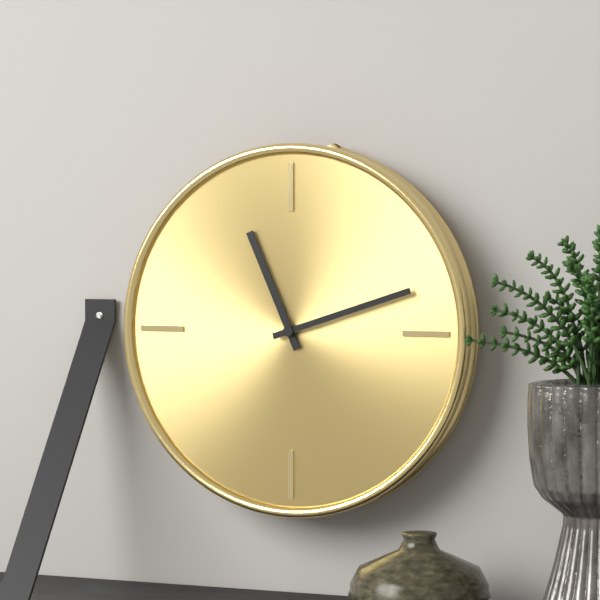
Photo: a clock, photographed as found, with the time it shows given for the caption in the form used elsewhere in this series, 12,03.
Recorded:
11,12
